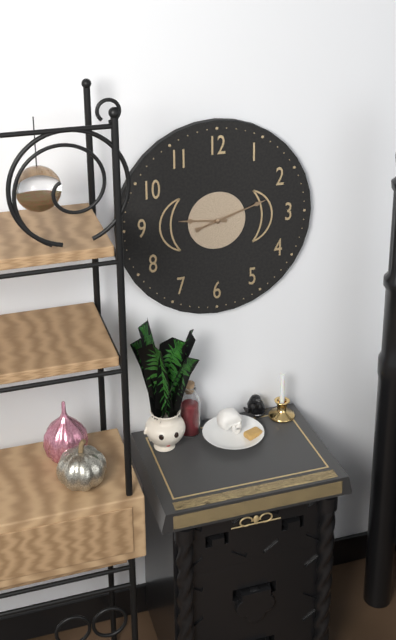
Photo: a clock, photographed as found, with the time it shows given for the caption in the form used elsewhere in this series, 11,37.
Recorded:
9,12
